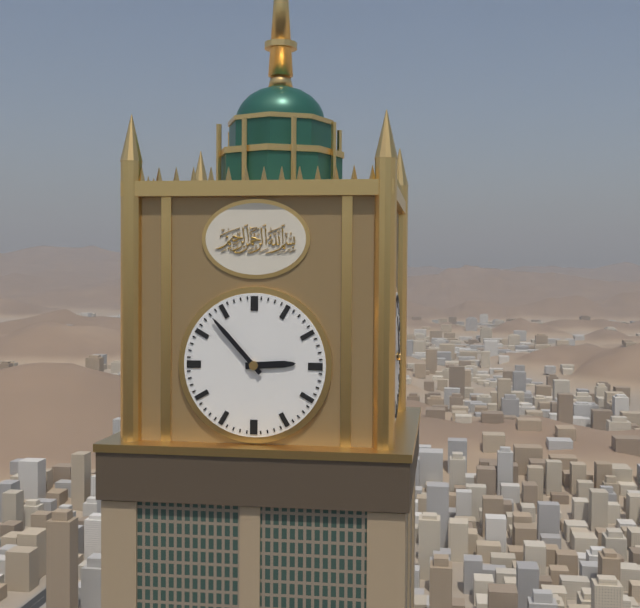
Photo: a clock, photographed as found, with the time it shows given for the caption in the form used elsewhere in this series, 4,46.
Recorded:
2,53
